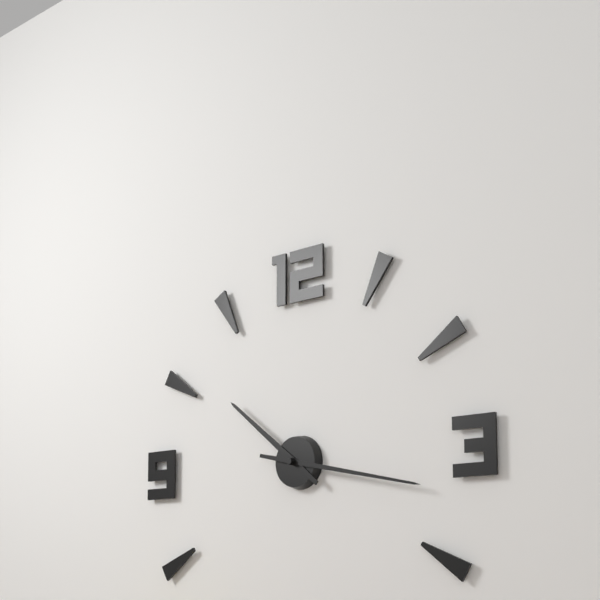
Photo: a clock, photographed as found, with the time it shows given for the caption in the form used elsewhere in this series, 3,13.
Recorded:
10,17
